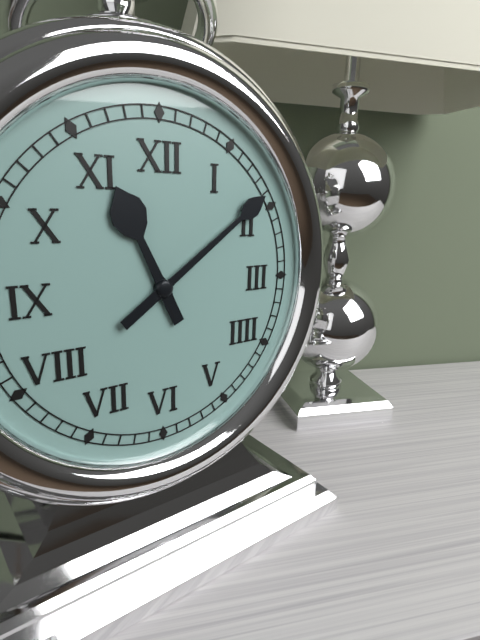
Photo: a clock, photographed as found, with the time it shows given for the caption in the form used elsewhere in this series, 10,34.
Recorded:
11,09
